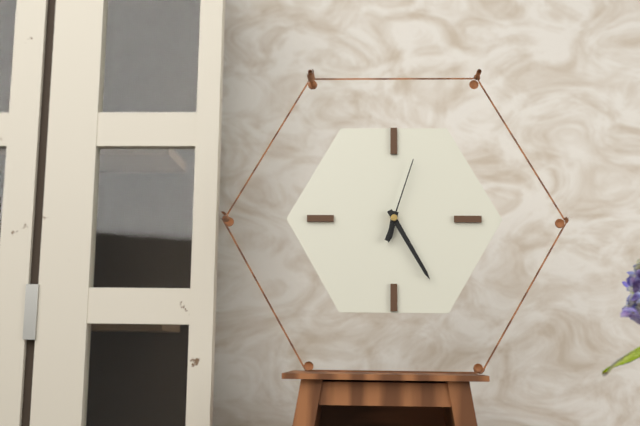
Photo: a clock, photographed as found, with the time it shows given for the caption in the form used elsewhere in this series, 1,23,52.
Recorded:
6,25,03
